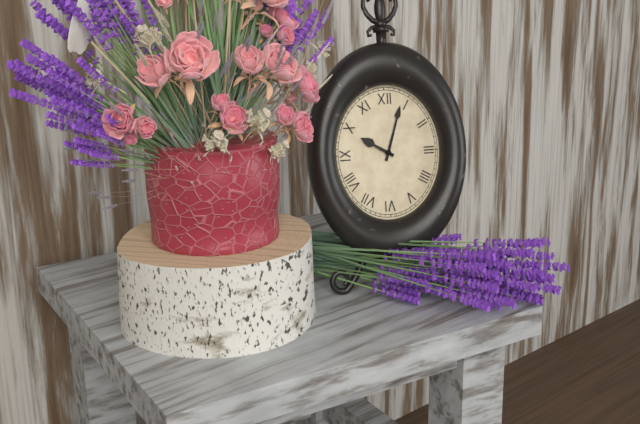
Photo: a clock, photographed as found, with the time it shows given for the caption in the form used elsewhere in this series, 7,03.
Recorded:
10,03
